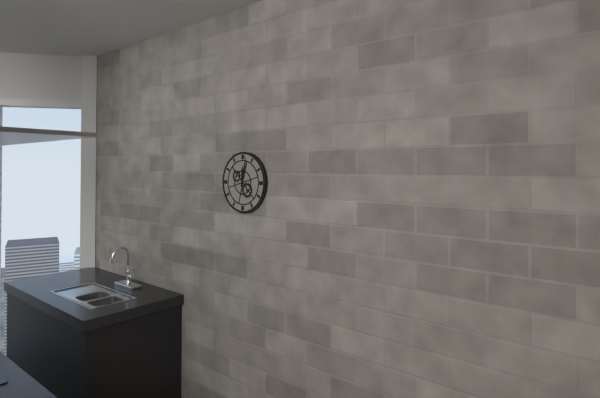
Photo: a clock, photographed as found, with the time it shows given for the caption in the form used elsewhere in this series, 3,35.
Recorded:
12,02
